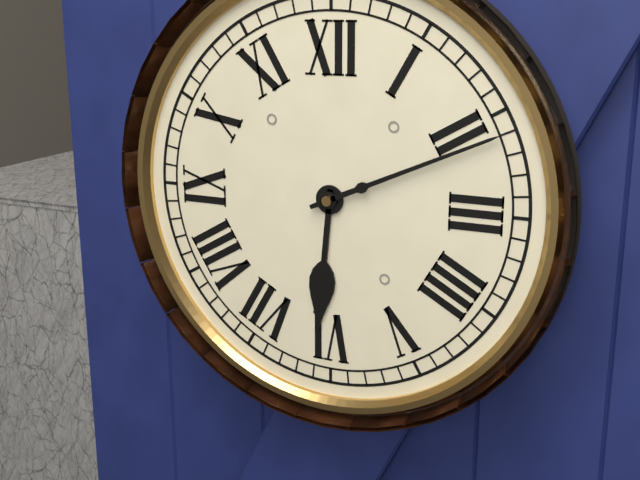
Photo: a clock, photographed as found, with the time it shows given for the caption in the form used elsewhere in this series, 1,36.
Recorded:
6,11
